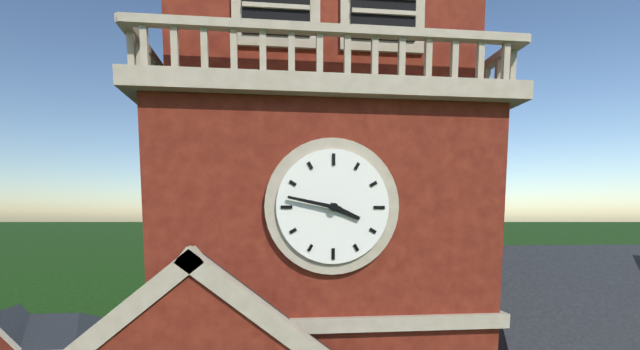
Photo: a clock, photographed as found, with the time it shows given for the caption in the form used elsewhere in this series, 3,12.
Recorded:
3,47
